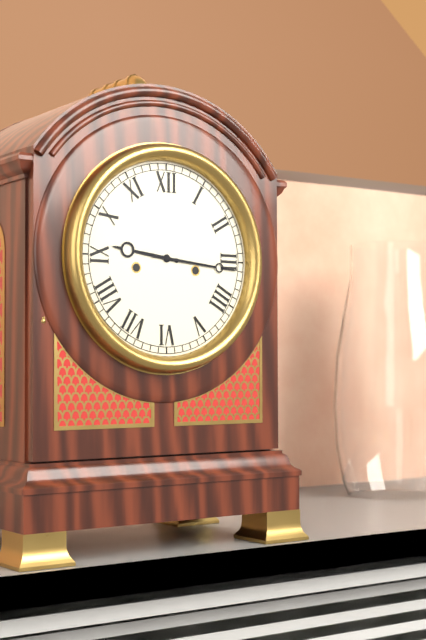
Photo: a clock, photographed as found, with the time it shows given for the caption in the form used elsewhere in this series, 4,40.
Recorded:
9,16
